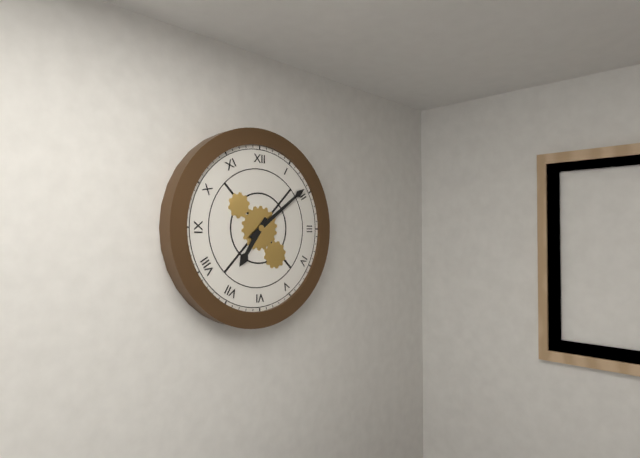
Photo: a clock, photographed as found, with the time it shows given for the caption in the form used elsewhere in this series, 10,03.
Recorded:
7,09
